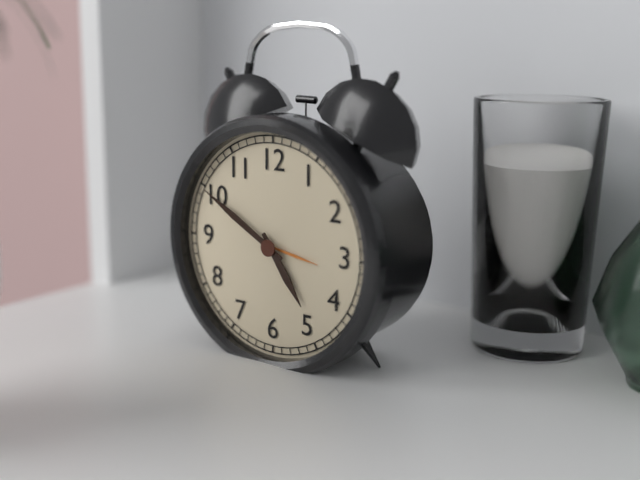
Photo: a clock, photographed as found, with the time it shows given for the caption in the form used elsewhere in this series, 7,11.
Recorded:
4,50
